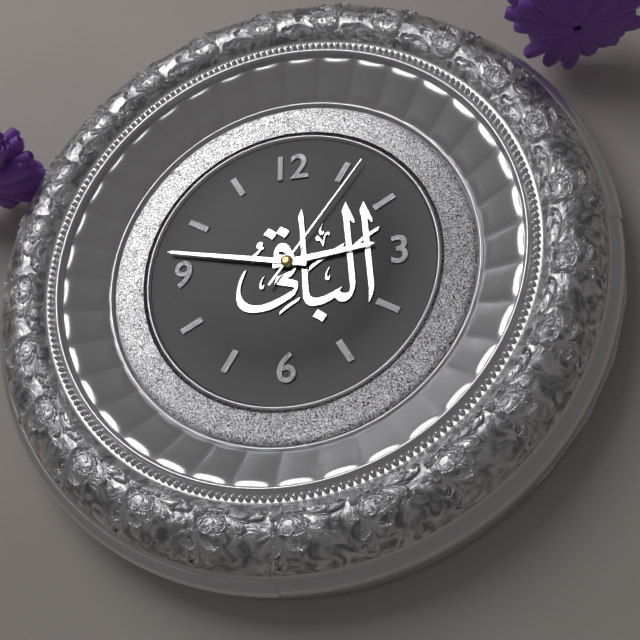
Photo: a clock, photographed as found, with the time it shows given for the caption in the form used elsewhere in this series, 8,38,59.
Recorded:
2,47,06
